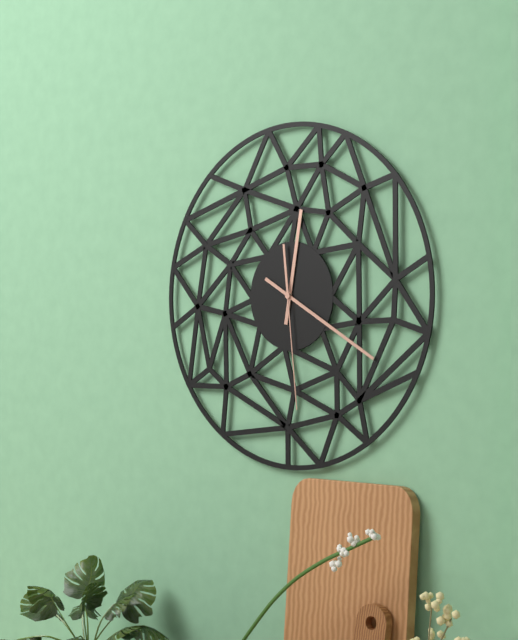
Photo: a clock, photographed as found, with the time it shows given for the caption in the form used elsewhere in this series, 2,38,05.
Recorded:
12,20,29
